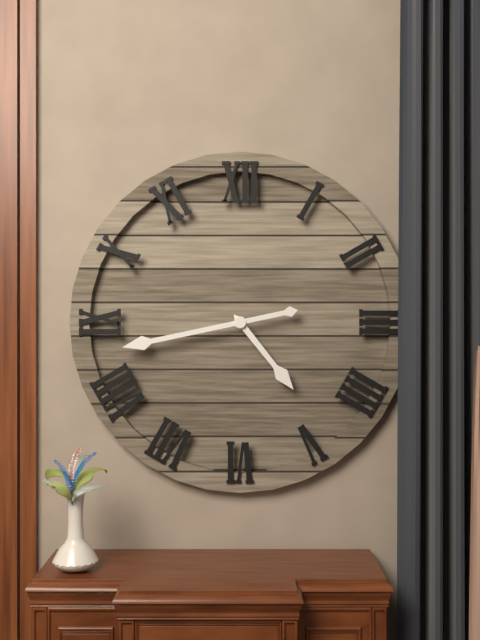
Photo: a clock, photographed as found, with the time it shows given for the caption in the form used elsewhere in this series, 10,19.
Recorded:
4,43
